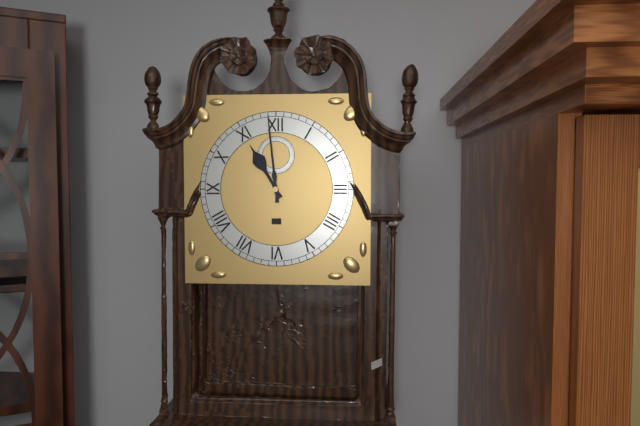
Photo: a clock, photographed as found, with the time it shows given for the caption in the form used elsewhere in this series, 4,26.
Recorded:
10,59
